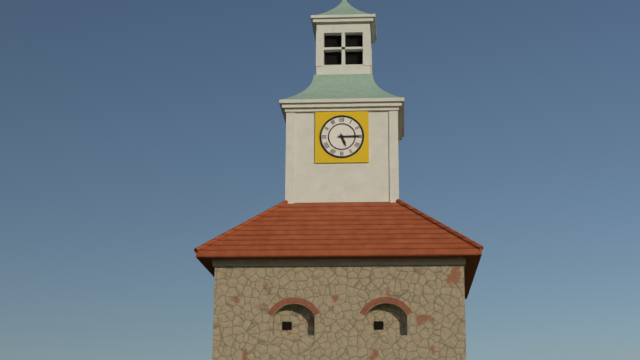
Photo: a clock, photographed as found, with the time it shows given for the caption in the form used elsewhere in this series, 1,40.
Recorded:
5,15
